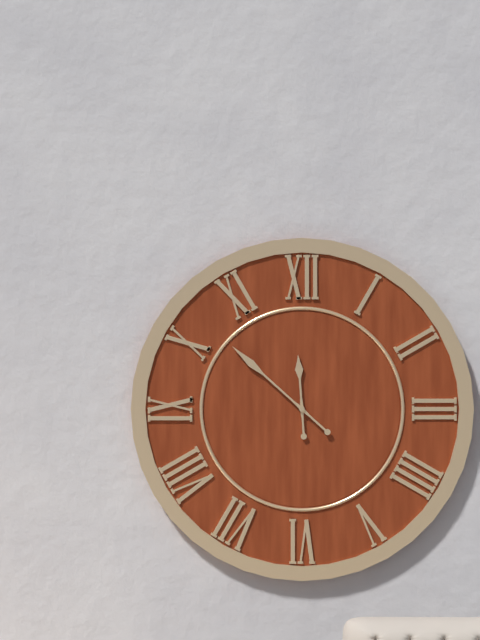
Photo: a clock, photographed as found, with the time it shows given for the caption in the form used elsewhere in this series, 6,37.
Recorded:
11,52
